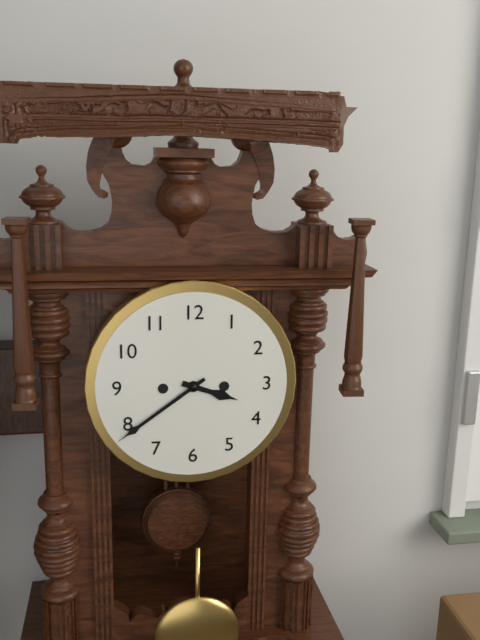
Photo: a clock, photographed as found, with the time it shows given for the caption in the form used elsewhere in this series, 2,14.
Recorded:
3,39
